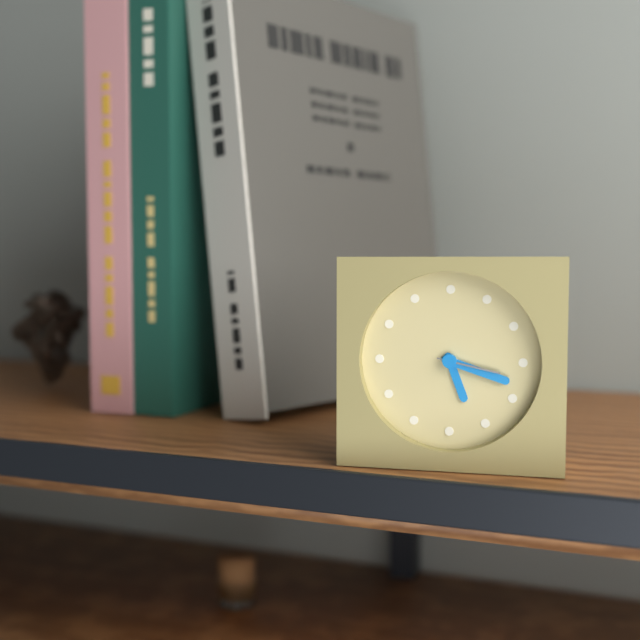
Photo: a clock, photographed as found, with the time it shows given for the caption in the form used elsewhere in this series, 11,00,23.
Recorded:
5,18,17
